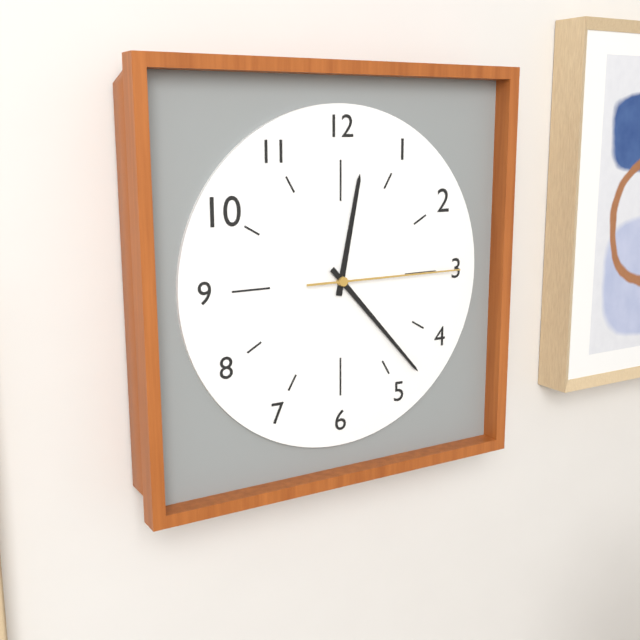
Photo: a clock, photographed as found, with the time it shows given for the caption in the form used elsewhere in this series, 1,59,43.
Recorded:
12,23,15
